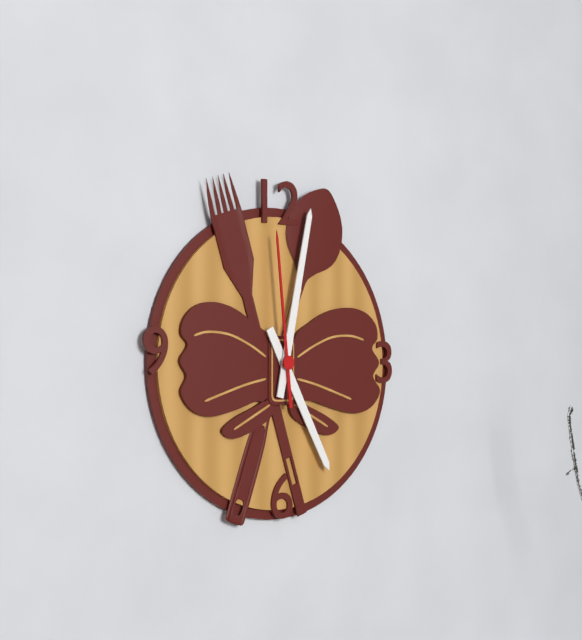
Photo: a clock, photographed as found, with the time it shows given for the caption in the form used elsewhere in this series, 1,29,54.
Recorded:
5,02,59
